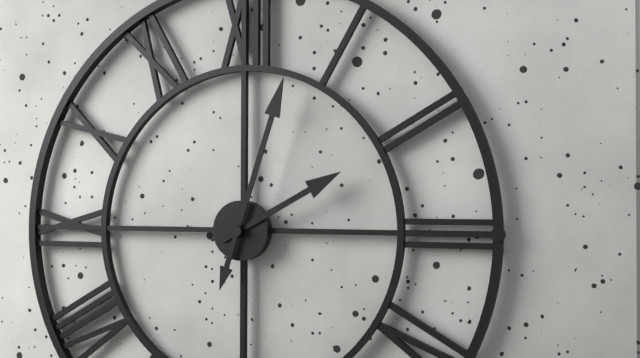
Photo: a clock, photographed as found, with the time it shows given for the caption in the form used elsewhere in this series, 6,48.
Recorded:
2,03
